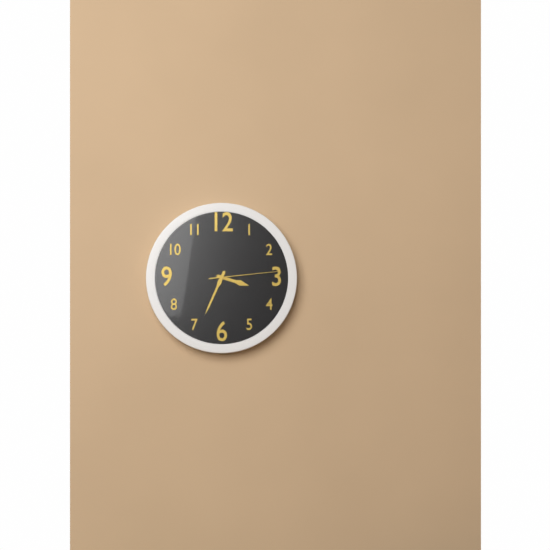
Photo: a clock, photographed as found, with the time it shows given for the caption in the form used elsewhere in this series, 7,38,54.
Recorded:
3,34,14
